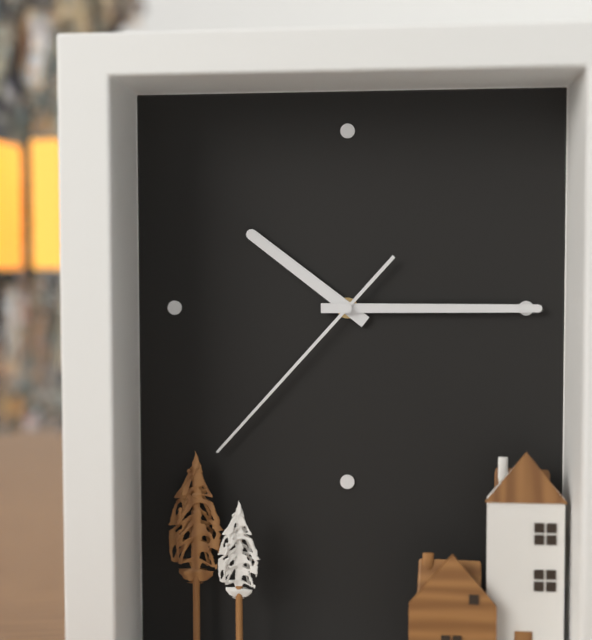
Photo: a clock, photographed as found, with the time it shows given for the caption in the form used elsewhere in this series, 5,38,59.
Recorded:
10,15,37
